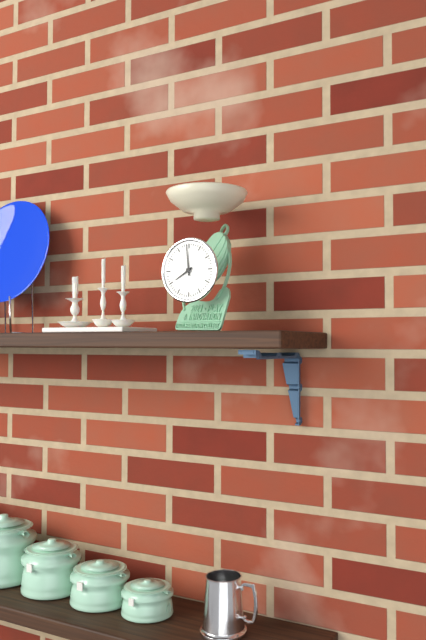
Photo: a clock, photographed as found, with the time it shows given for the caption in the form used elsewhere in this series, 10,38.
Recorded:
7,59
